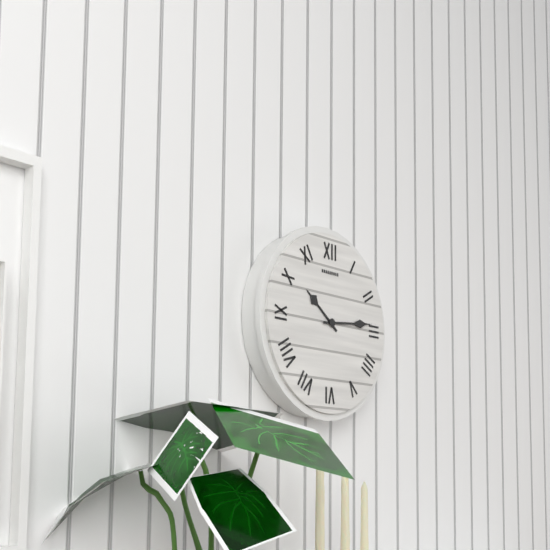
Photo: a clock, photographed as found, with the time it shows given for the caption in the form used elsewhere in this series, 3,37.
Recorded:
10,14
